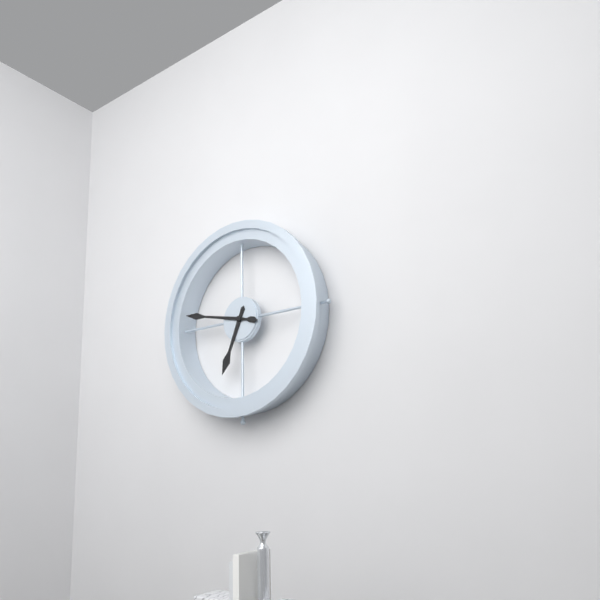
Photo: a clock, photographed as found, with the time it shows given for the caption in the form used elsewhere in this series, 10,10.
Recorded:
6,47
